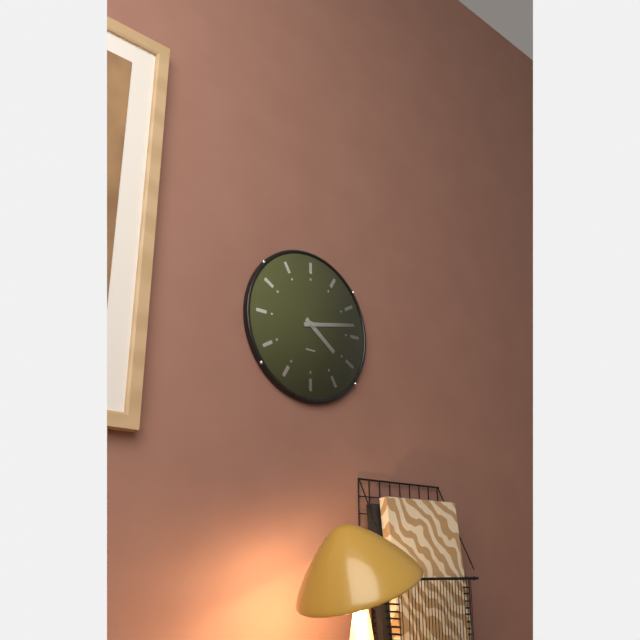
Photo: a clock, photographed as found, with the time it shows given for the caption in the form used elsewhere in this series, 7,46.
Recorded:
4,13
